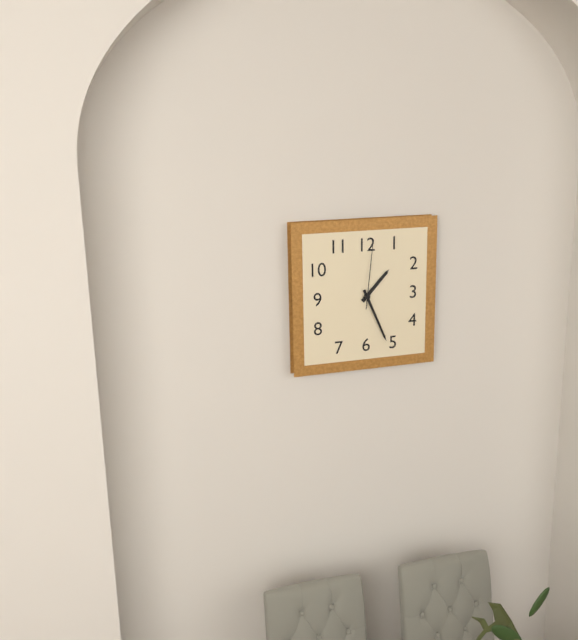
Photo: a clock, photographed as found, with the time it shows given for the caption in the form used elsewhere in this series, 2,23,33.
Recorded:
1,26,01
